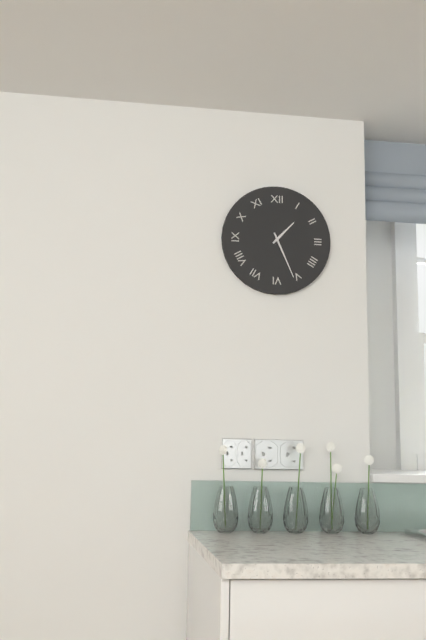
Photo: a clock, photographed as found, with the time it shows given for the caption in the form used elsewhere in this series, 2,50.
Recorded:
1,26
